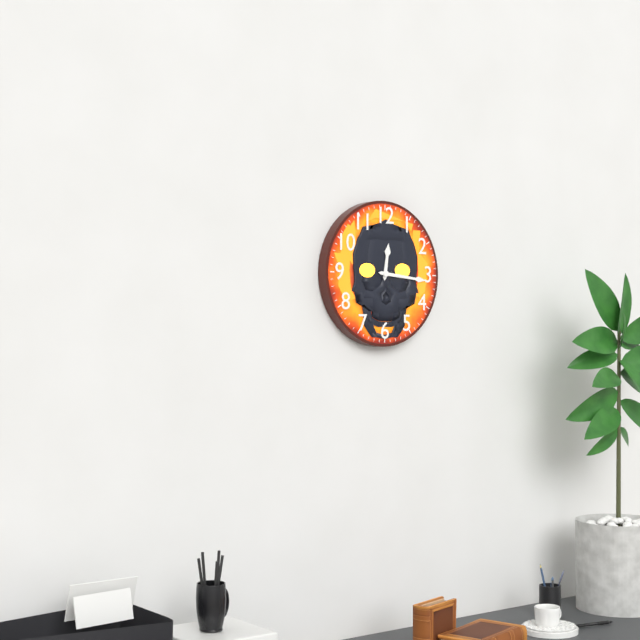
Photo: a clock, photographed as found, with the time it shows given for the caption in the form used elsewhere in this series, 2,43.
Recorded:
12,16
